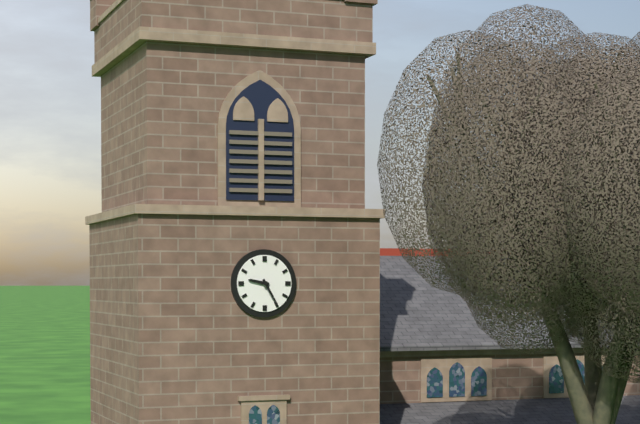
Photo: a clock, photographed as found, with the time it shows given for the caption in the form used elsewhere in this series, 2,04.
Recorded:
9,25
